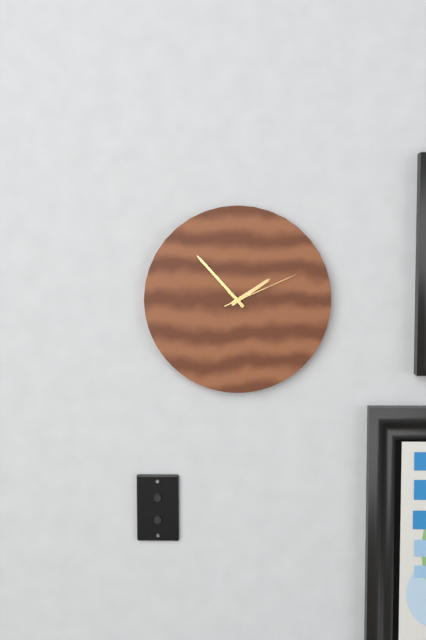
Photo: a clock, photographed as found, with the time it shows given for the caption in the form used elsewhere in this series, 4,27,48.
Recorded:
1,53,11
